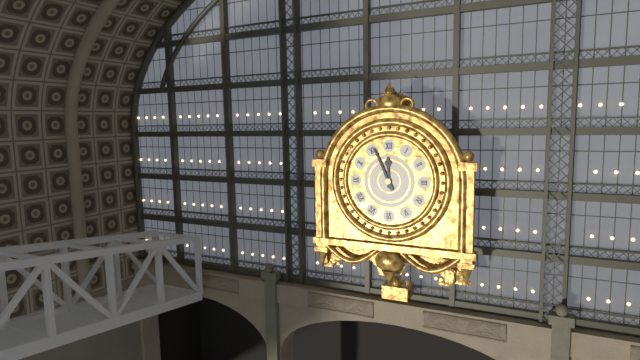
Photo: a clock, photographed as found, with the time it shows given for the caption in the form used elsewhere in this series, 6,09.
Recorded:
11,56
